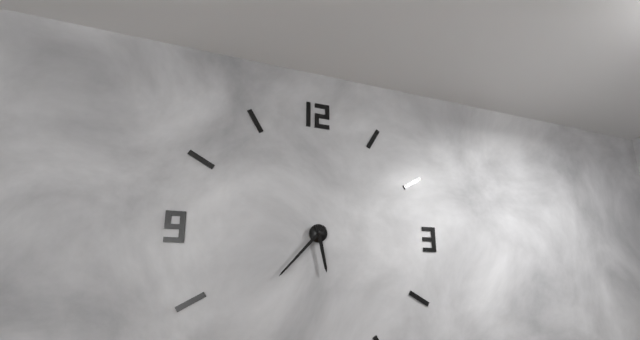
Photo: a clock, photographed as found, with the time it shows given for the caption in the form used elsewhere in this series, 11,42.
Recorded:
5,37
